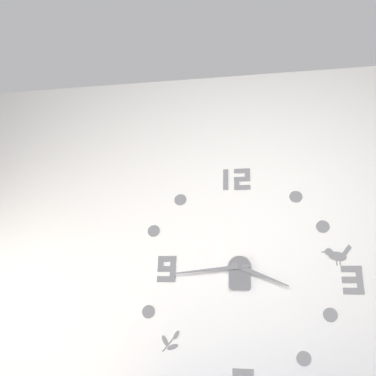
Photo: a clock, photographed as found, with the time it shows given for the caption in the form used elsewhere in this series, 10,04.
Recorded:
3,44
